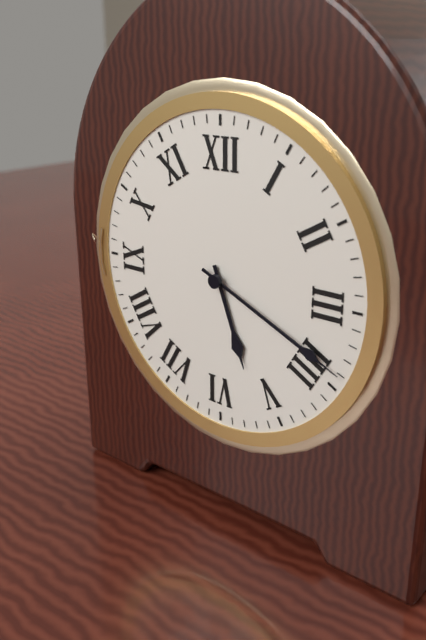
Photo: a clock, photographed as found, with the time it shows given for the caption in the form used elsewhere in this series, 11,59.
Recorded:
5,19
